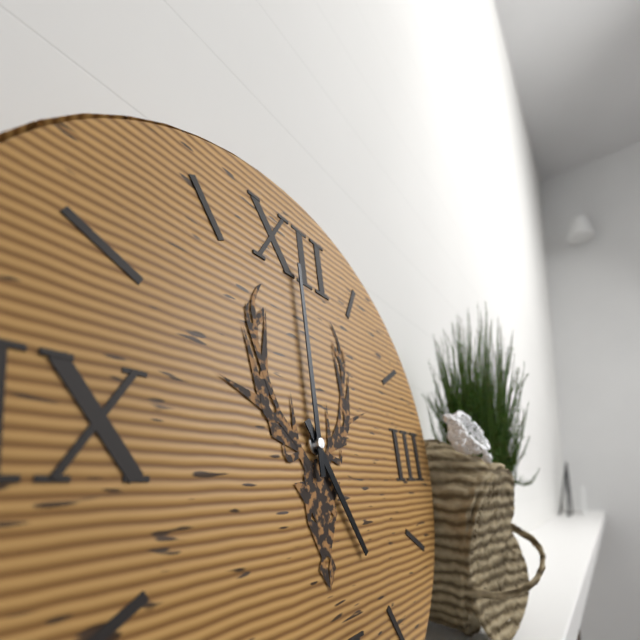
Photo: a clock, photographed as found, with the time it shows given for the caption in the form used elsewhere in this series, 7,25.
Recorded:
5,00
